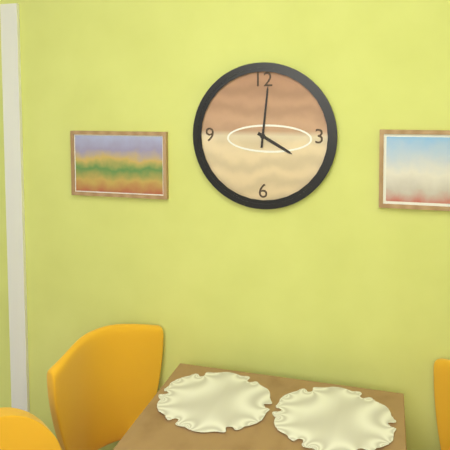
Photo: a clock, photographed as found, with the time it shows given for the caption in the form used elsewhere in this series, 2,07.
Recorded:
4,01
